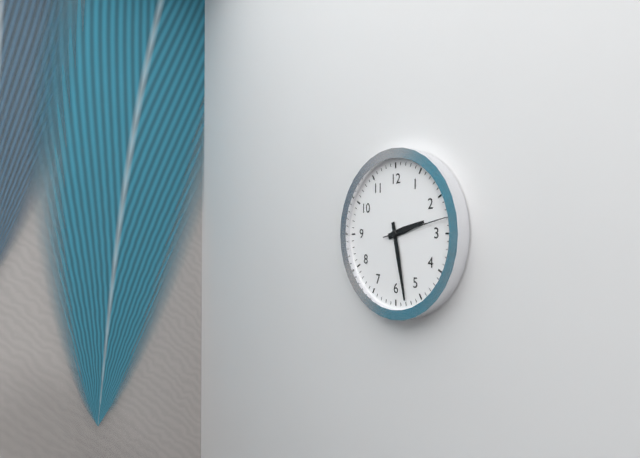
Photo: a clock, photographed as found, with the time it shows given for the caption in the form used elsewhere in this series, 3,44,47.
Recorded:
2,28,13
